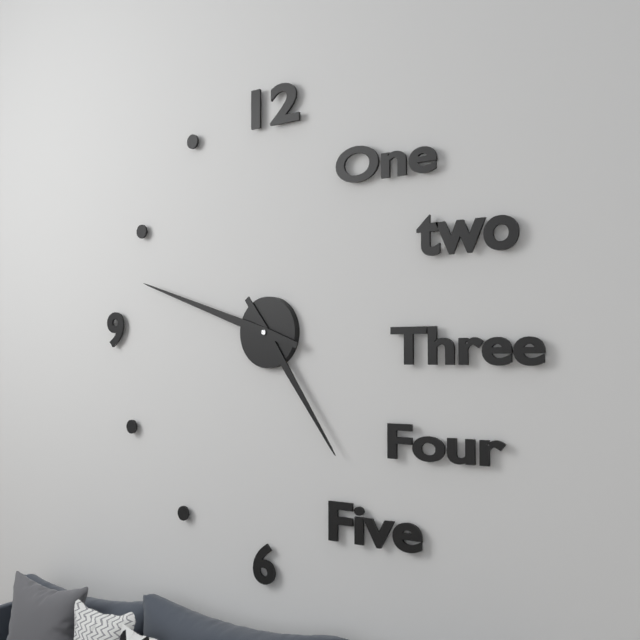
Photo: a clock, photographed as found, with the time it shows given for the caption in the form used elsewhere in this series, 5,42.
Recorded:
4,48
